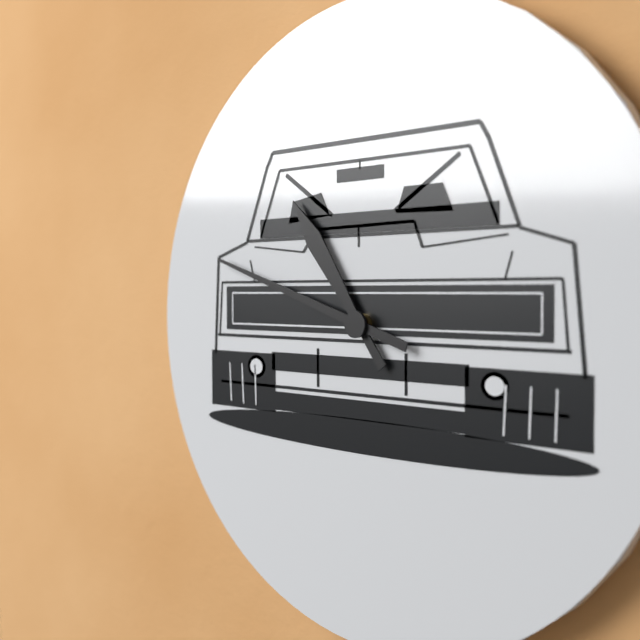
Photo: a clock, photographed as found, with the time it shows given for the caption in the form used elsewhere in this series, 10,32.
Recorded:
10,48
